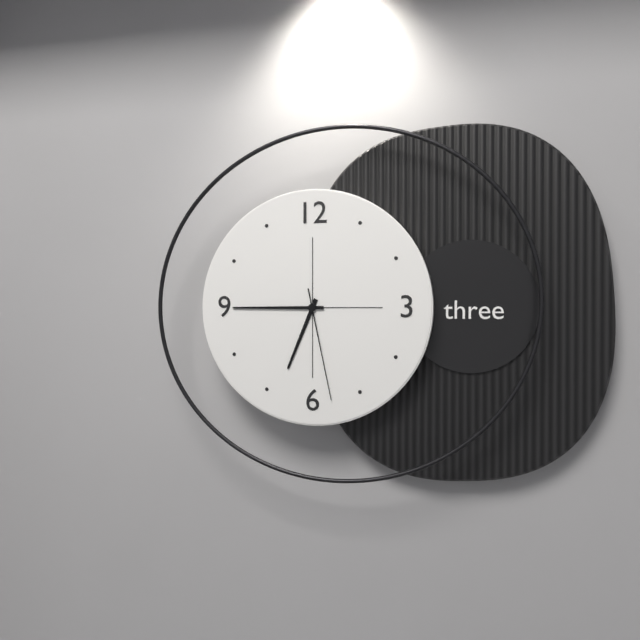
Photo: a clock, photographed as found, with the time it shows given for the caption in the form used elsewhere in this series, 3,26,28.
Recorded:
6,45,28
